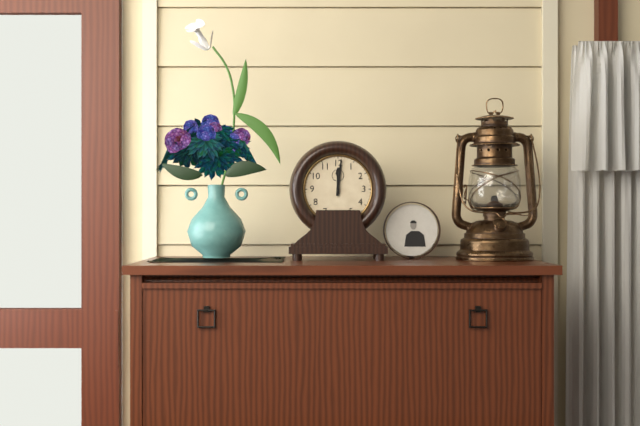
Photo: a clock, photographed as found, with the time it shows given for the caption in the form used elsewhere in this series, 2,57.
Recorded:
12,01
